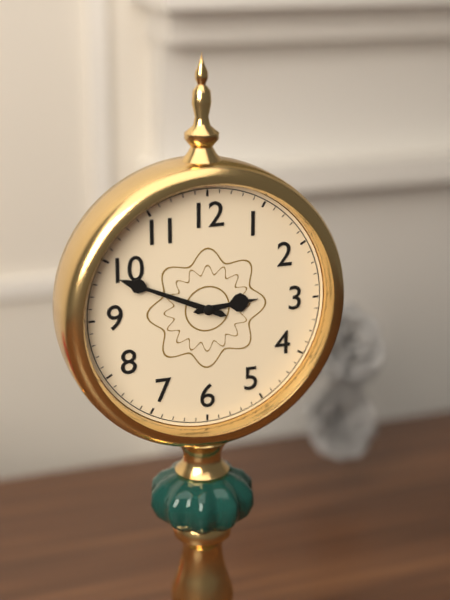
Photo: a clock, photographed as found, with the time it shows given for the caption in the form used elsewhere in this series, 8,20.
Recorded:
2,49
